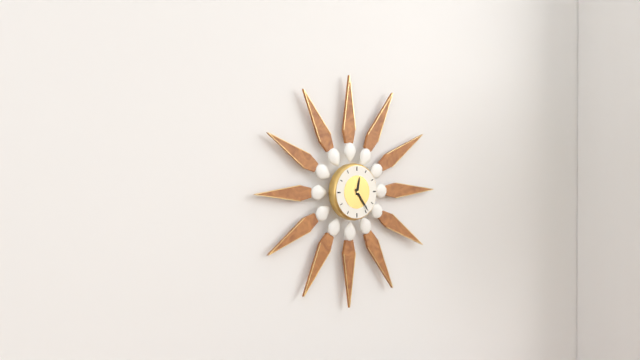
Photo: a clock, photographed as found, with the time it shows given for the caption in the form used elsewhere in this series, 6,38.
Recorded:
12,24
